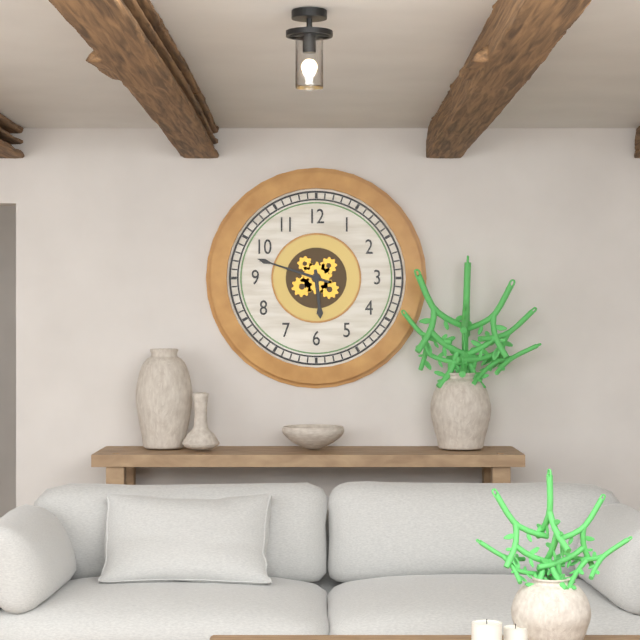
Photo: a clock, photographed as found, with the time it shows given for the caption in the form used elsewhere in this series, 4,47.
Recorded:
5,48
